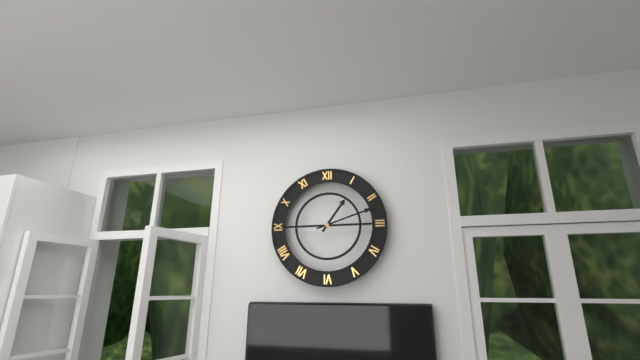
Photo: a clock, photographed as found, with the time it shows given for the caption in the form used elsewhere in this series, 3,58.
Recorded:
1,12
